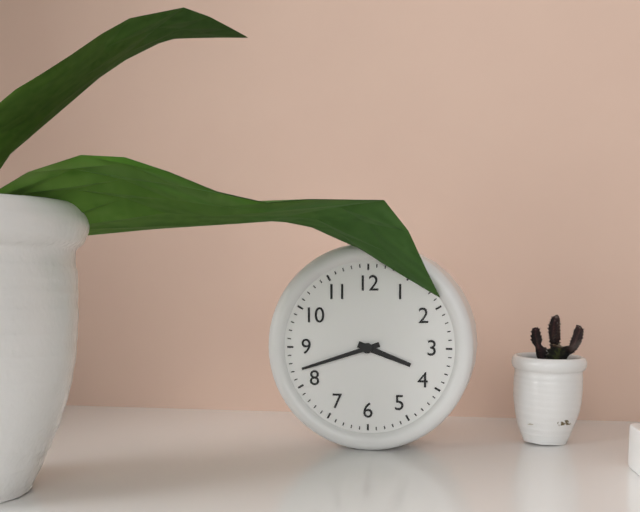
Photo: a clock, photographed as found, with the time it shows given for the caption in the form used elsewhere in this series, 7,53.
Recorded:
3,42
